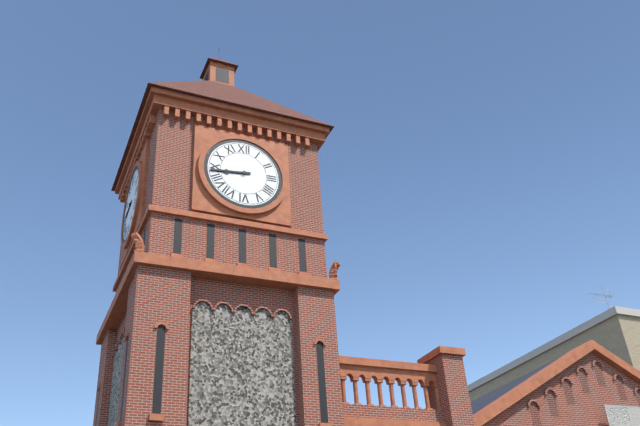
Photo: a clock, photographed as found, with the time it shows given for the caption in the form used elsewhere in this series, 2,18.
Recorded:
8,44
